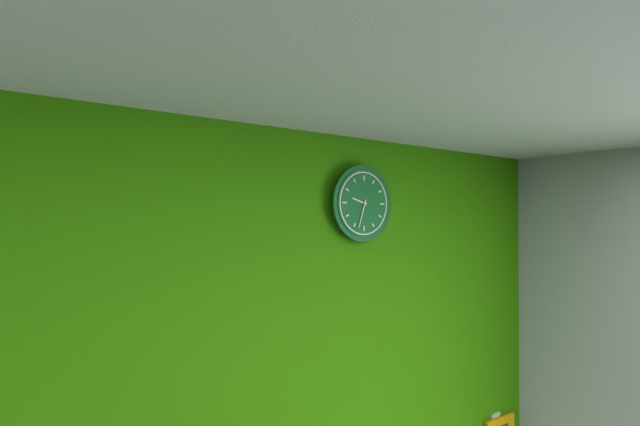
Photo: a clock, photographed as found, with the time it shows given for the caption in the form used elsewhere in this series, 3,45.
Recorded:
9,33
